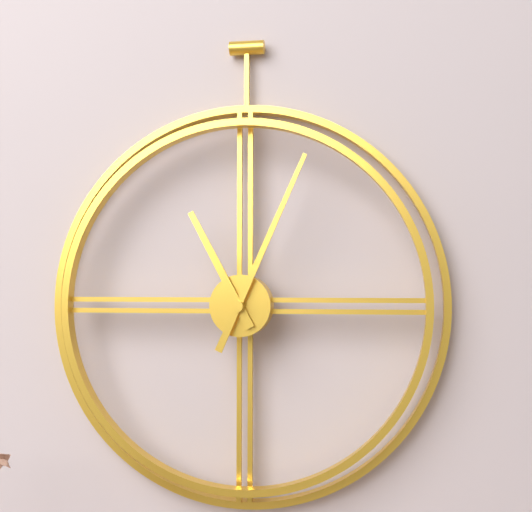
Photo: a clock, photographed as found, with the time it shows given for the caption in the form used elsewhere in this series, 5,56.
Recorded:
11,04
